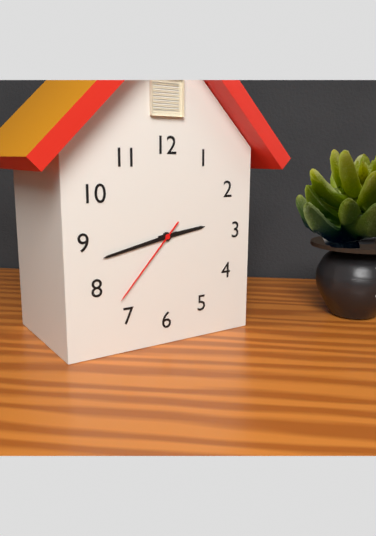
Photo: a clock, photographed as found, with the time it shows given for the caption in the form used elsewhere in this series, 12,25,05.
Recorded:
2,43,37
